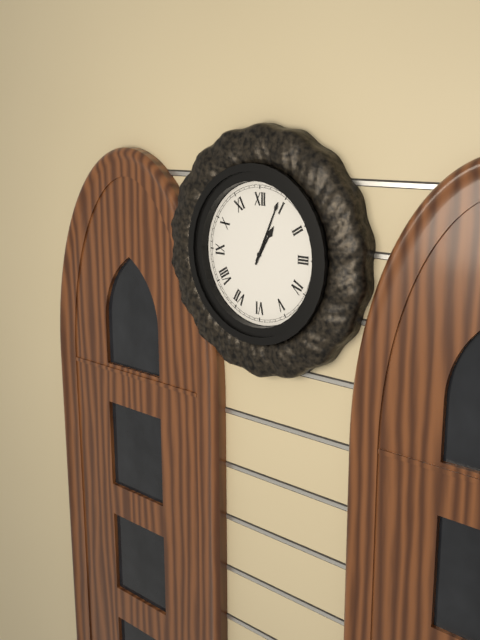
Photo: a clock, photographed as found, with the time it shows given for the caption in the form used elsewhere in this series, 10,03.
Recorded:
1,04
